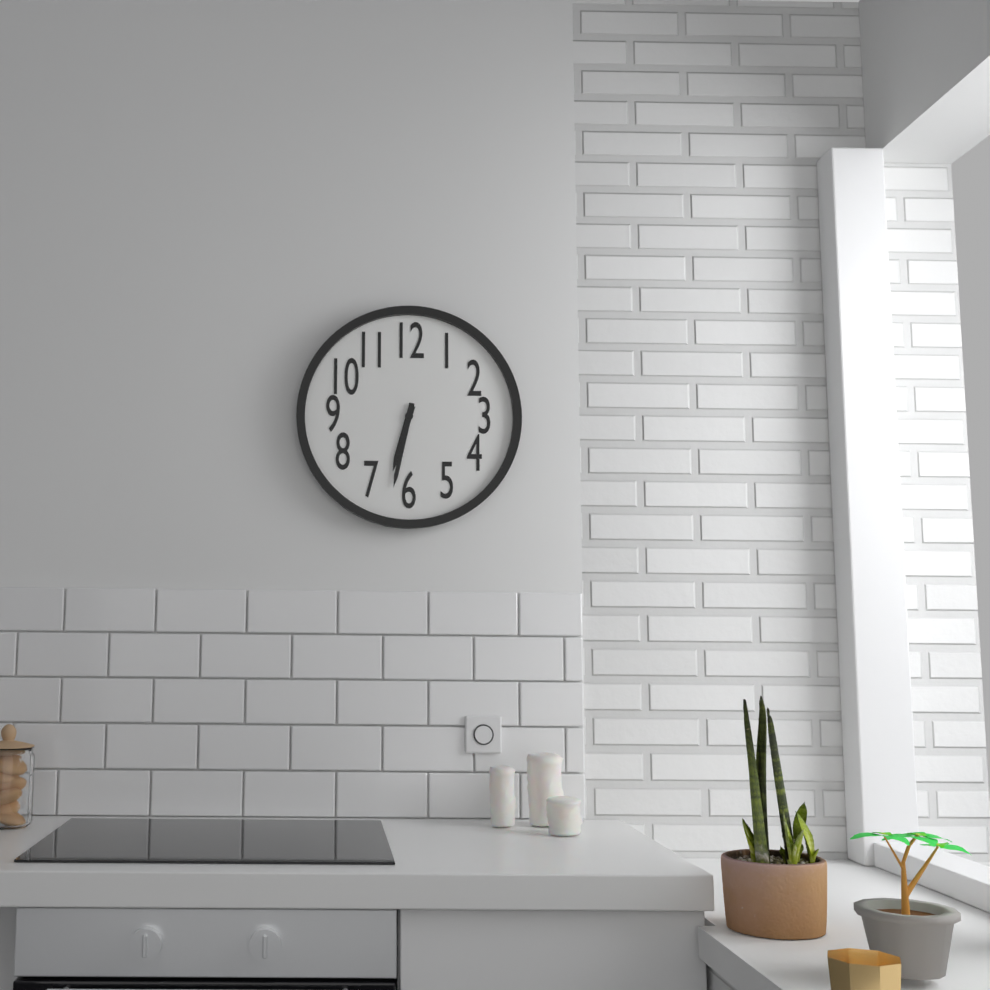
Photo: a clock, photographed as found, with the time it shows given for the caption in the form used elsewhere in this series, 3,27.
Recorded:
6,32
